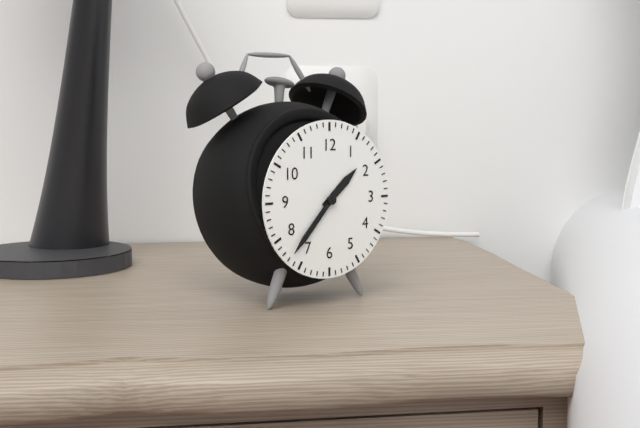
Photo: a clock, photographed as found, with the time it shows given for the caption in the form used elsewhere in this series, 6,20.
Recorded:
1,37
